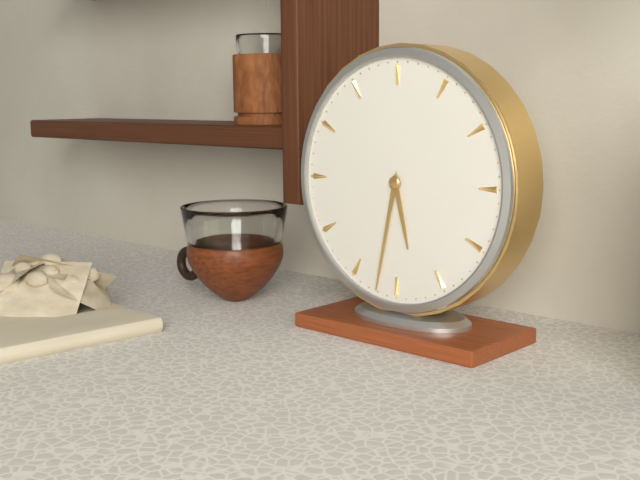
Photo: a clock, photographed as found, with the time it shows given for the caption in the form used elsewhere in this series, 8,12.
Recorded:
5,32
